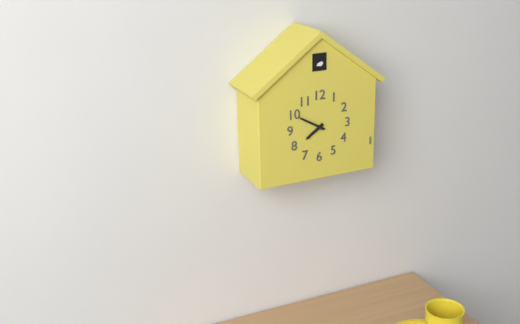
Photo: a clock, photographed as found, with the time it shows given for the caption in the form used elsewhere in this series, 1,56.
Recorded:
7,50
